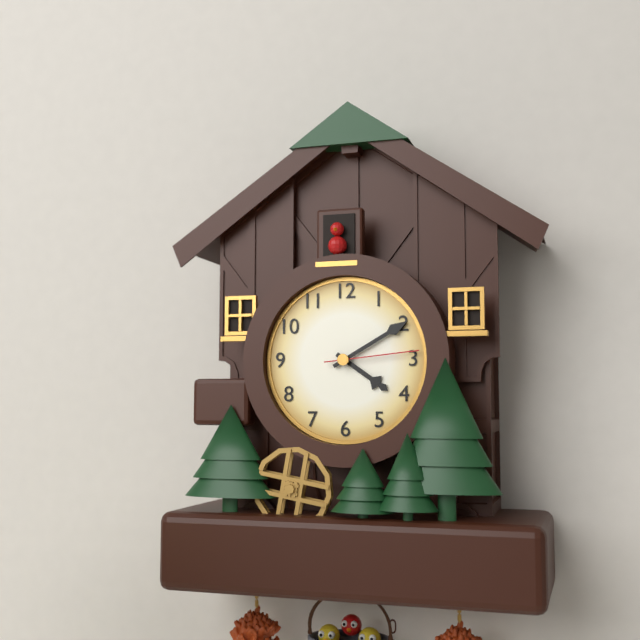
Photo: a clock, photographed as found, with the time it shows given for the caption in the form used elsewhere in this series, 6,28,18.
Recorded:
4,10,14
